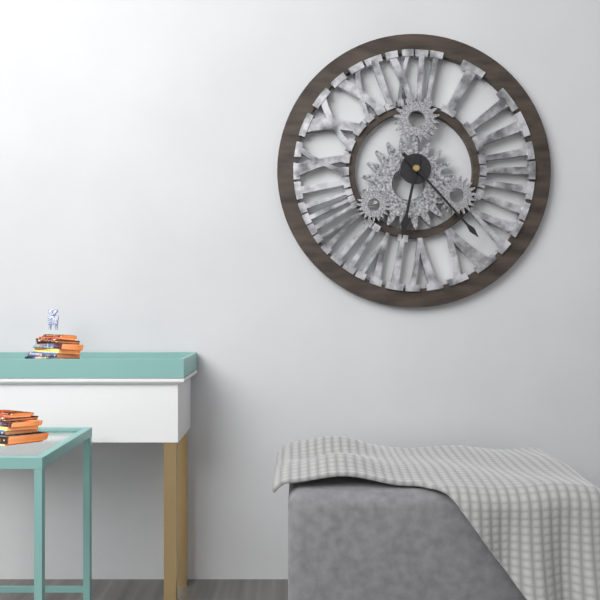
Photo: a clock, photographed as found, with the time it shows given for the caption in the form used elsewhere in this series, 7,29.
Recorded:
6,23
